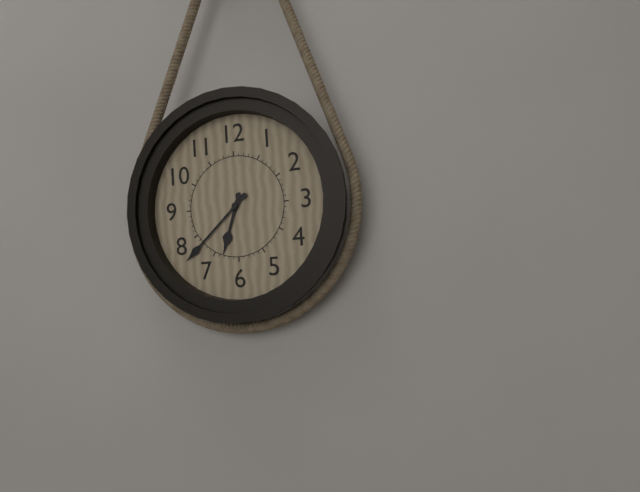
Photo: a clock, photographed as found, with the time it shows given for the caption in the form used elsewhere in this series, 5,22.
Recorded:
6,38
